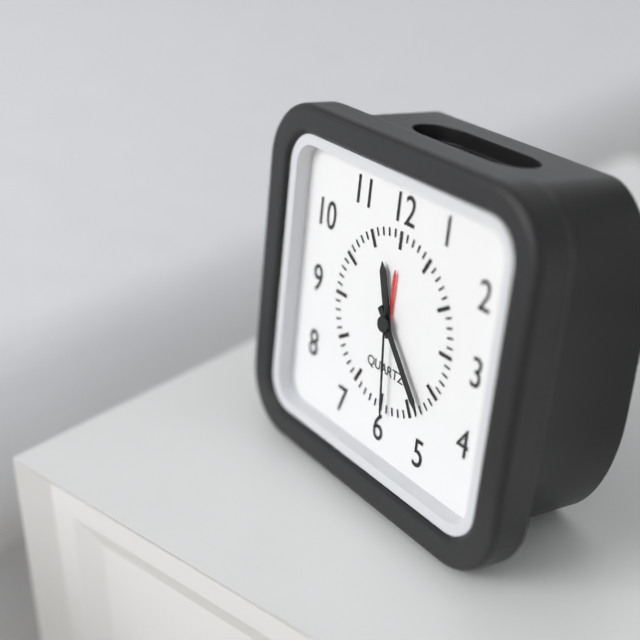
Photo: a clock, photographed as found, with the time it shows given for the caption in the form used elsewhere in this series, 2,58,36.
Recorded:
11,23,29
